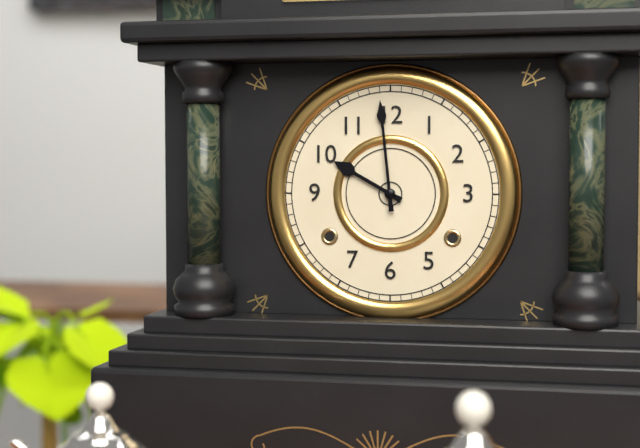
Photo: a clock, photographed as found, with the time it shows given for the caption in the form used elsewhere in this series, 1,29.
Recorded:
9,59
